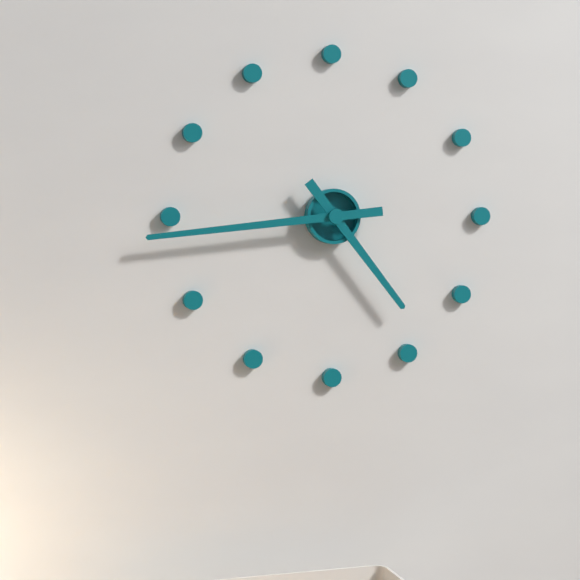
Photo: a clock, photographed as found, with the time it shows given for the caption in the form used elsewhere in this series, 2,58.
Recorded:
4,44
